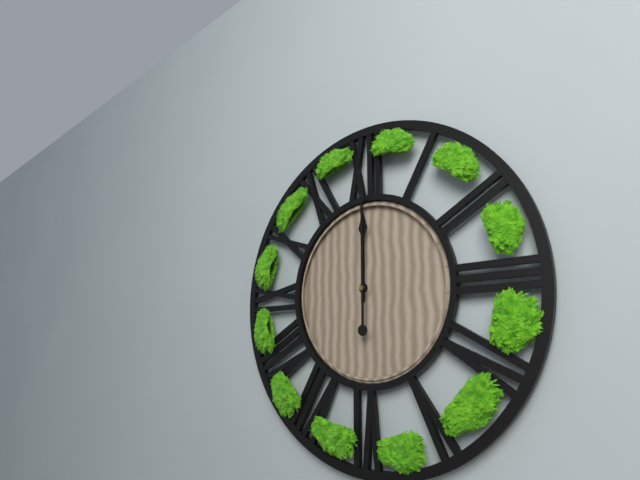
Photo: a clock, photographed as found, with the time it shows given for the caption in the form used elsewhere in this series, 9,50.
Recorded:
12,00
